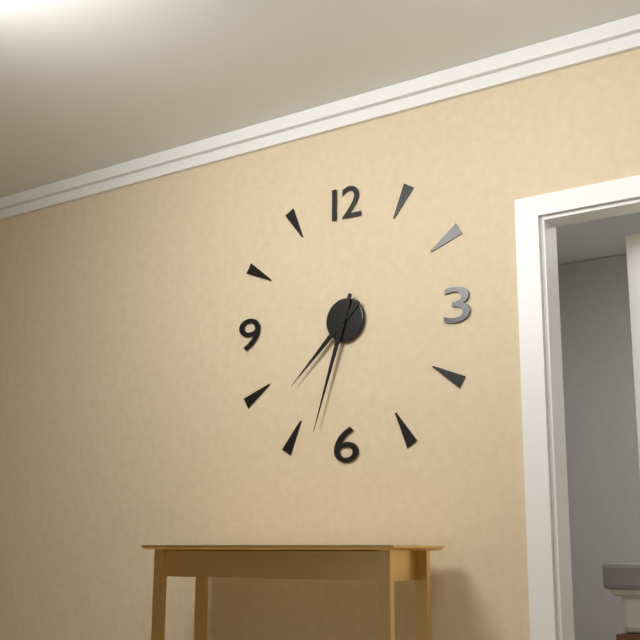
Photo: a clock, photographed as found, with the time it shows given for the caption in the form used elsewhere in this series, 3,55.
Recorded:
7,33
